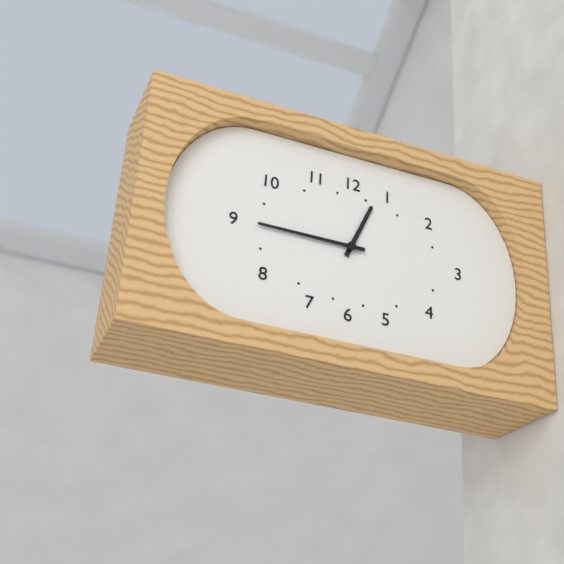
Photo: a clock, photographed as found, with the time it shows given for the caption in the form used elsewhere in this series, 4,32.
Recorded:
12,45
